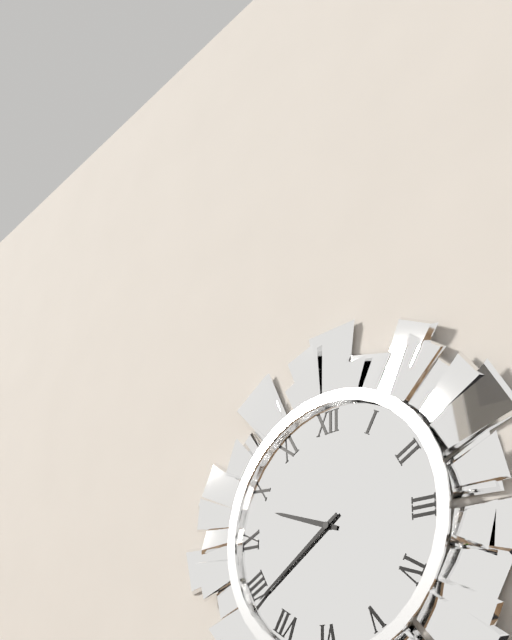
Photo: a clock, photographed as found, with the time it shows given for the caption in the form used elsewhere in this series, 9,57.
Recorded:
9,39
